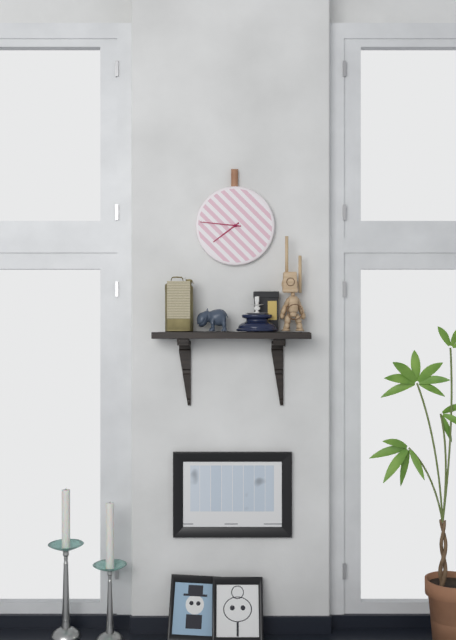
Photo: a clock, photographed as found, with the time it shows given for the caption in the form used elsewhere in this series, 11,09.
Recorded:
7,46
